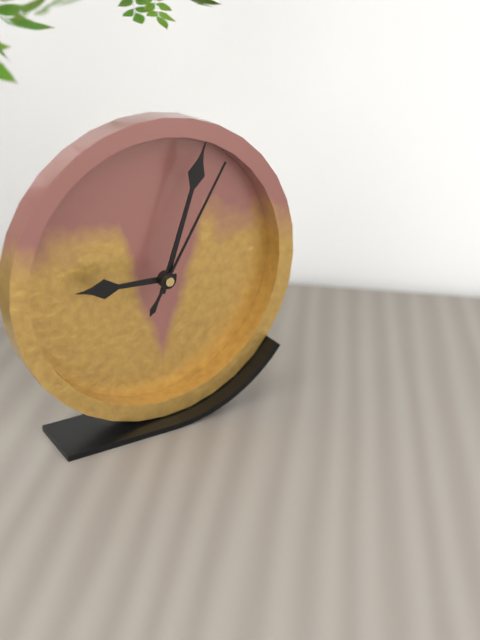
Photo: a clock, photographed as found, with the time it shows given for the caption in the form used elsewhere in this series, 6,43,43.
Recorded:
9,03,05
